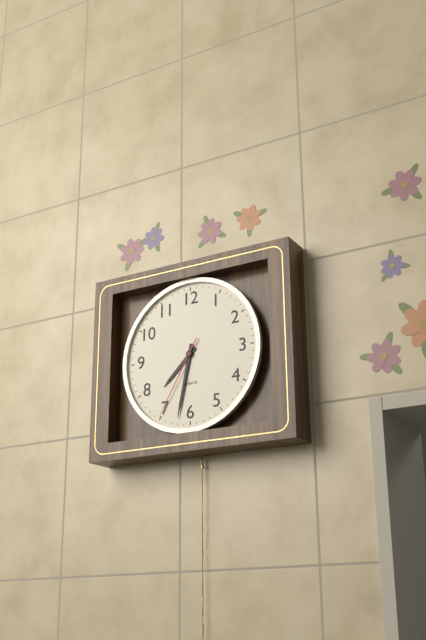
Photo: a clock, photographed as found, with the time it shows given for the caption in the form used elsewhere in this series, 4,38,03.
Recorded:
7,32,35
